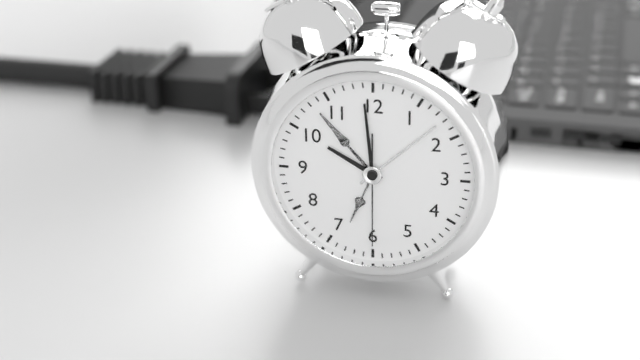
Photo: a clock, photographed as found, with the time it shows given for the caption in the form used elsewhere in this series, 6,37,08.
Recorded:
9,59,30
